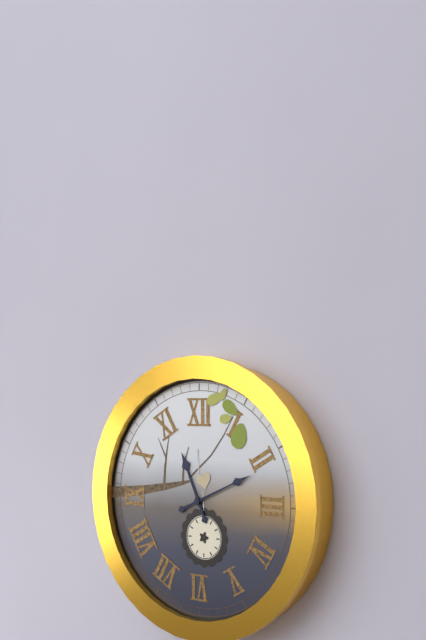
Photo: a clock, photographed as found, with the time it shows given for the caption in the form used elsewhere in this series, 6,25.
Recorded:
11,11
